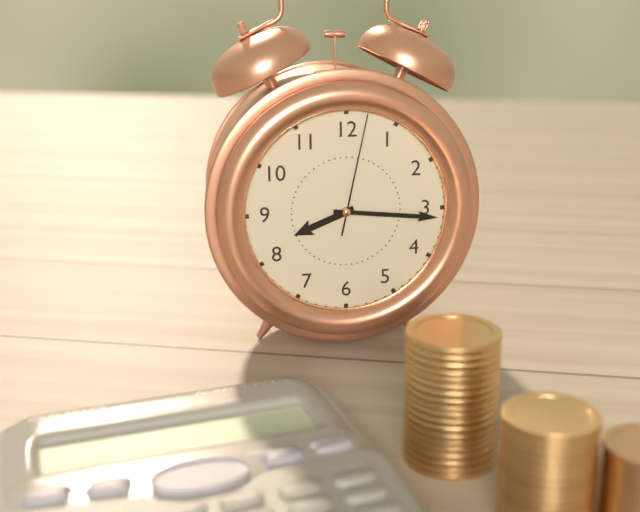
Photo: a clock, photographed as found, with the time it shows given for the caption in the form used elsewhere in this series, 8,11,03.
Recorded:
8,16,02
